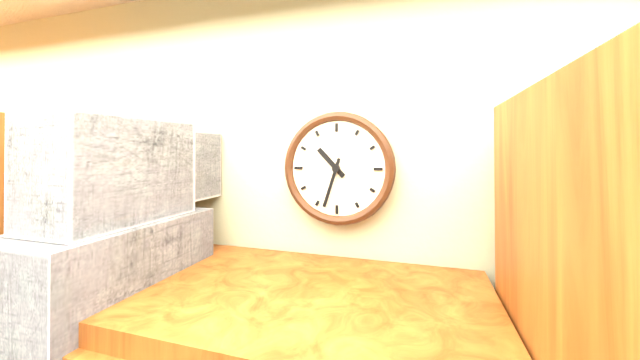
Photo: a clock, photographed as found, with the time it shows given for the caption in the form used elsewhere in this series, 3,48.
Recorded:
10,33
